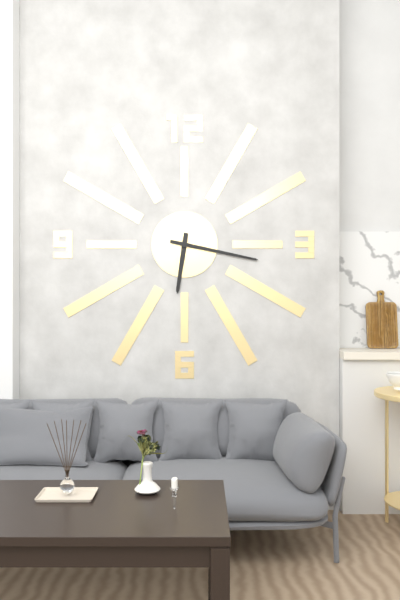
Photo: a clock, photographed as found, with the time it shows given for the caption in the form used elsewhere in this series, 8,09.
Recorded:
6,17
